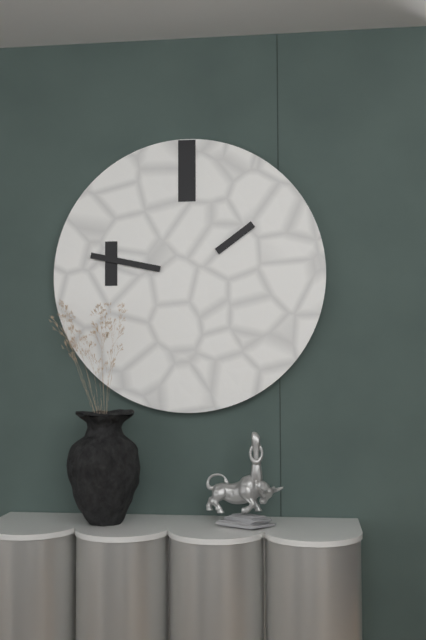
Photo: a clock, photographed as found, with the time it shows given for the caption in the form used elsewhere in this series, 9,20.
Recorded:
1,47
